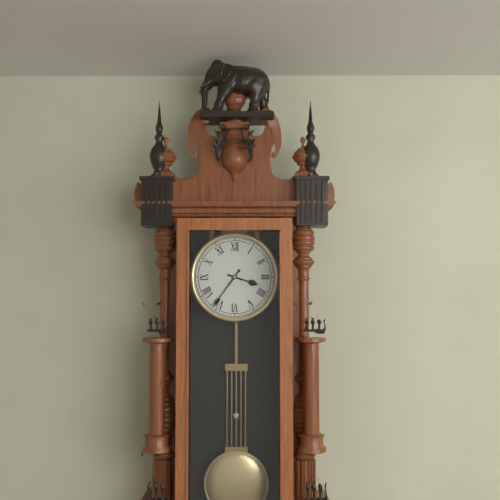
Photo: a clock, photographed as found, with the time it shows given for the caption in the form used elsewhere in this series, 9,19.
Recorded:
3,36
